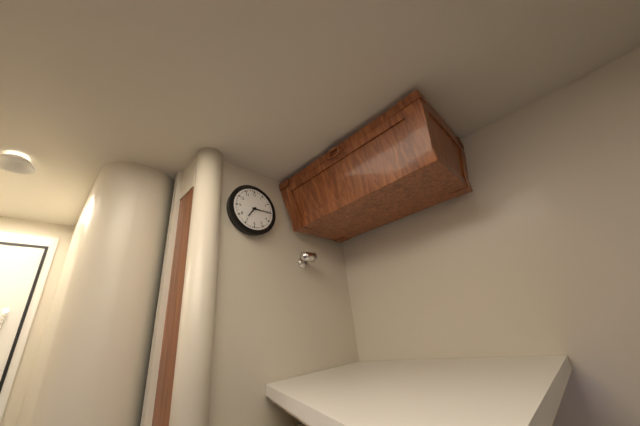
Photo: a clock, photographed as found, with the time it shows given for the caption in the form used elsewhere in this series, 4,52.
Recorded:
7,15
